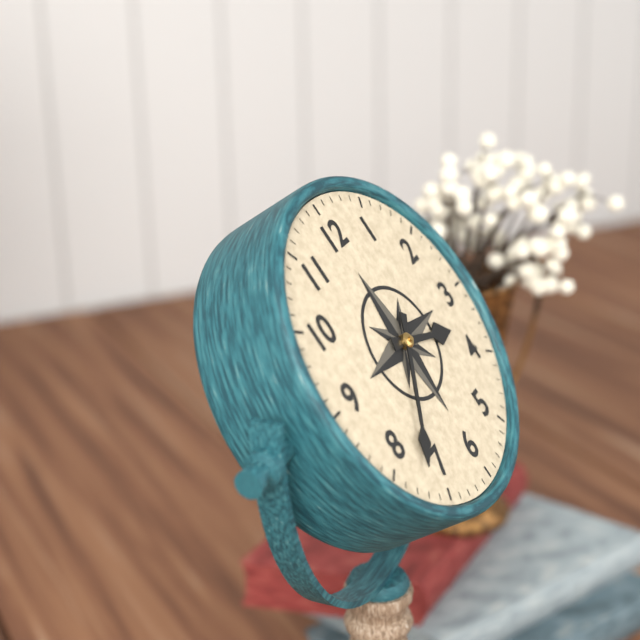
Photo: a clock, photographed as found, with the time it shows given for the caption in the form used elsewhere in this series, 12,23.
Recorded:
3,37
